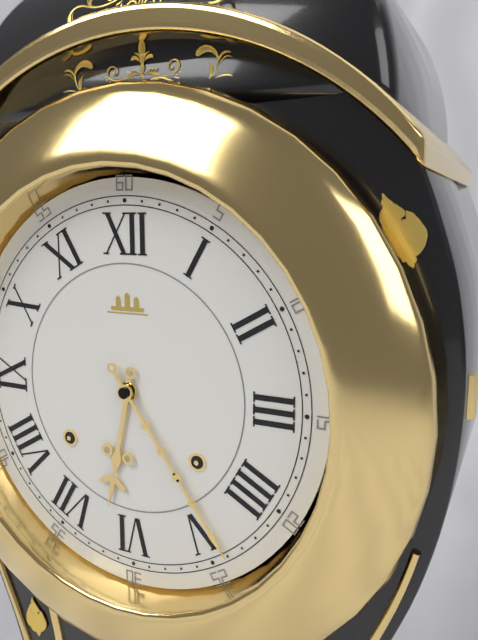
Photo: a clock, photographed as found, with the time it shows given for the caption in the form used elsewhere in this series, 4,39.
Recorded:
6,24
